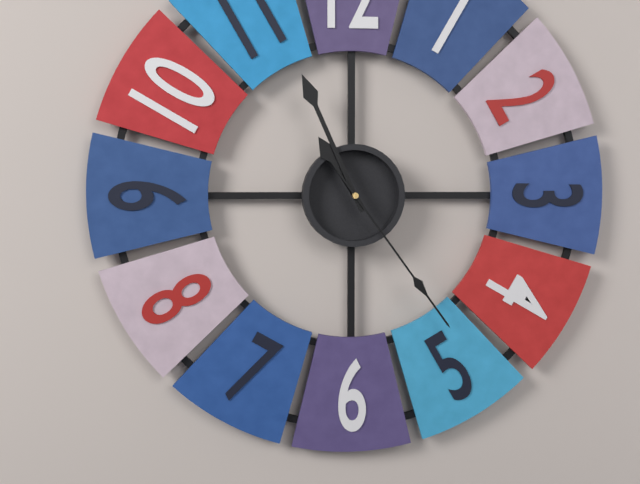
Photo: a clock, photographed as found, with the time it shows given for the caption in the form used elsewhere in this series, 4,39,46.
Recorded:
10,56,24
